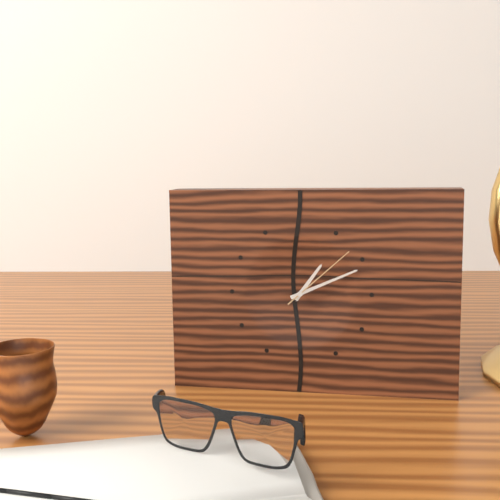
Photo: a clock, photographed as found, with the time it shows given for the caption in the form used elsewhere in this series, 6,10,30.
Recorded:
1,11,08
